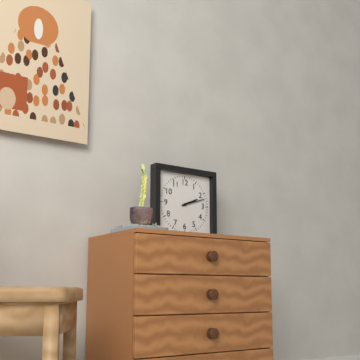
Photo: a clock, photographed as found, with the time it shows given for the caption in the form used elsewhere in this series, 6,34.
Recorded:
2,12
